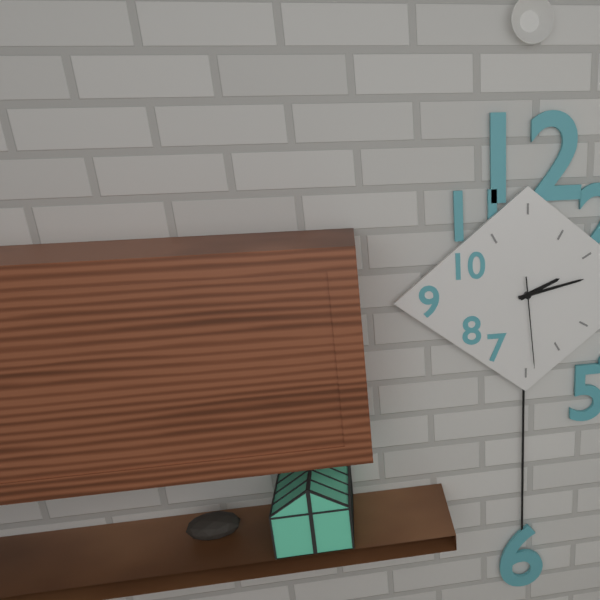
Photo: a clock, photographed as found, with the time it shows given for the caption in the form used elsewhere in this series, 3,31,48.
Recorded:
2,13,29
